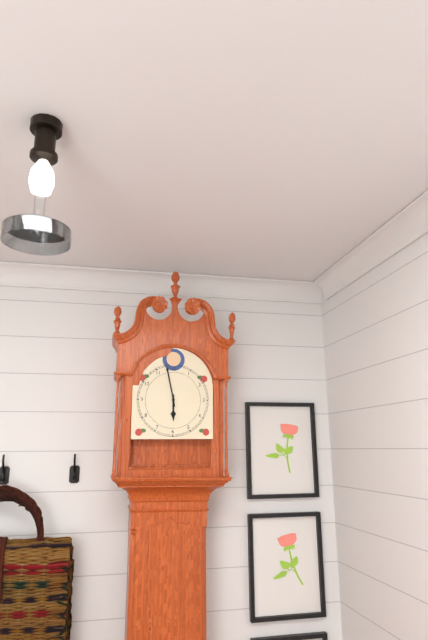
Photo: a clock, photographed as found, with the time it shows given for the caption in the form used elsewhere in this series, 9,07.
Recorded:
5,58
